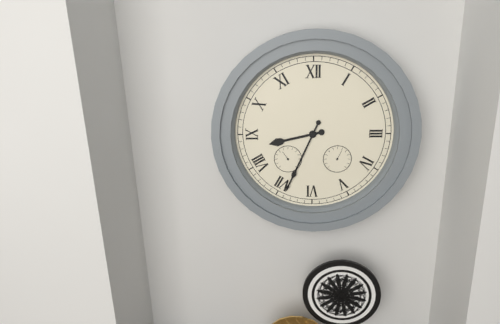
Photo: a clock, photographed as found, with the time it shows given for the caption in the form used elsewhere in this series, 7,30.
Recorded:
8,34
